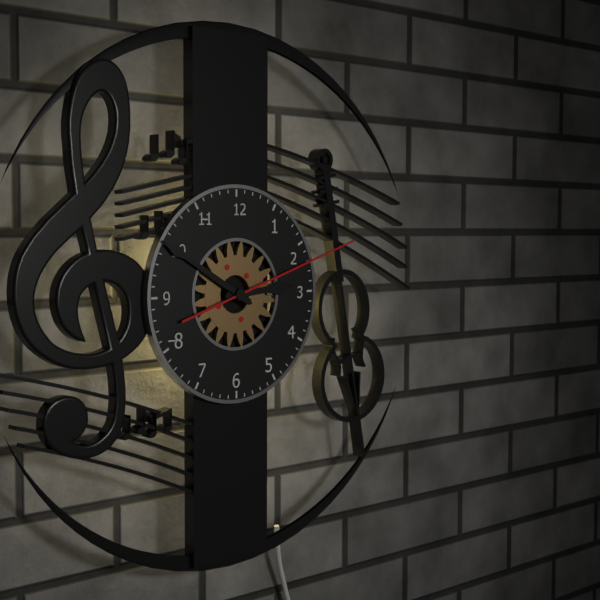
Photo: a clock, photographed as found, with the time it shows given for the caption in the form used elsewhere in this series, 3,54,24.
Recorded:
2,50,12
